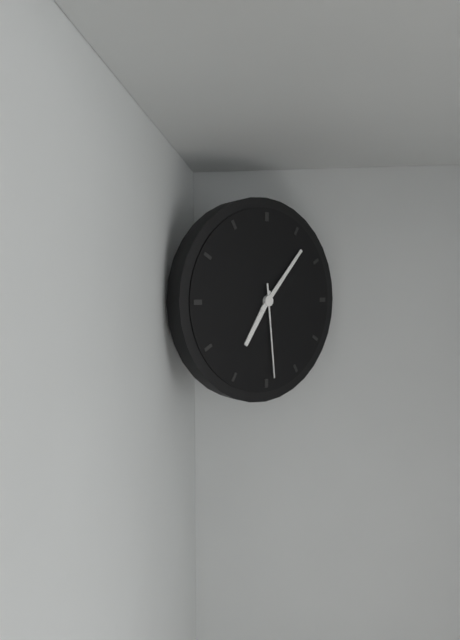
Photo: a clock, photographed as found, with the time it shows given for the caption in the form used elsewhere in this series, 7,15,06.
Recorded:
7,07,29
